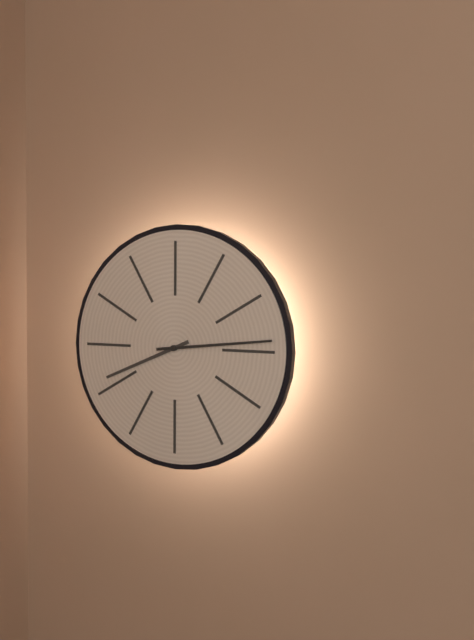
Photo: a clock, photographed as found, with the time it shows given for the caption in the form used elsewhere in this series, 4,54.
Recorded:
8,14
